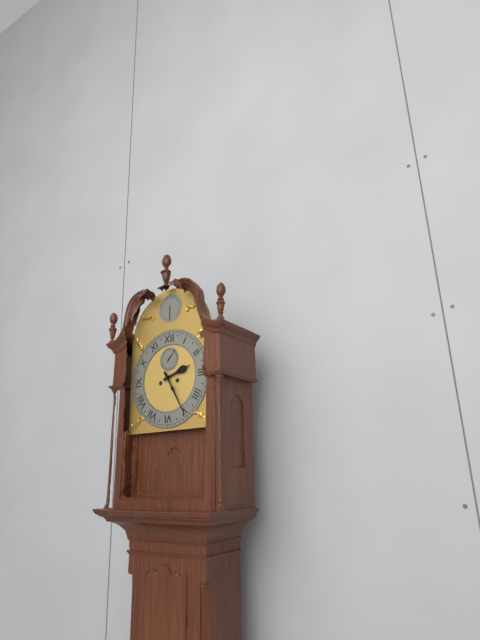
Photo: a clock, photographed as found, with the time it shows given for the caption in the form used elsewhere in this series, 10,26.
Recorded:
2,25
